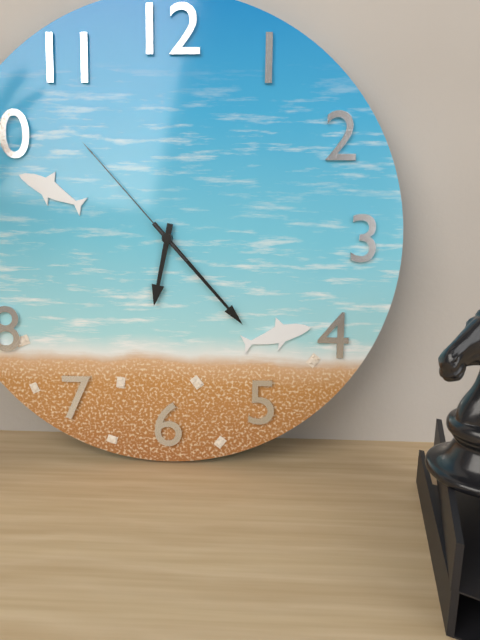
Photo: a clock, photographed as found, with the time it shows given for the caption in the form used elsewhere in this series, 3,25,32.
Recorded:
6,23,53
